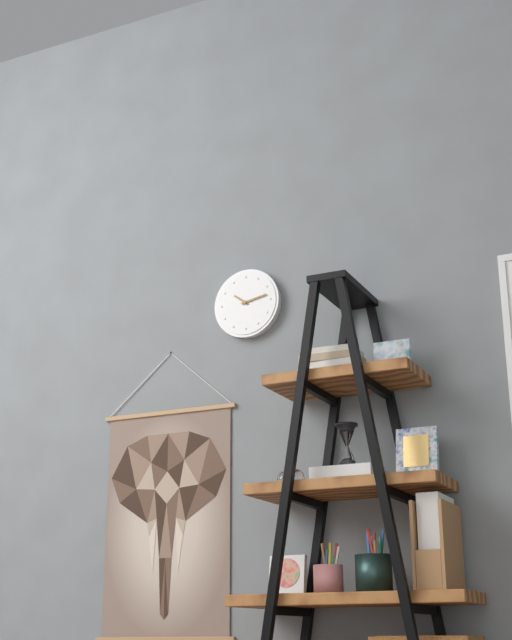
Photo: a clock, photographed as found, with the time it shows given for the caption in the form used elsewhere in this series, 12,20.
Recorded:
10,13
